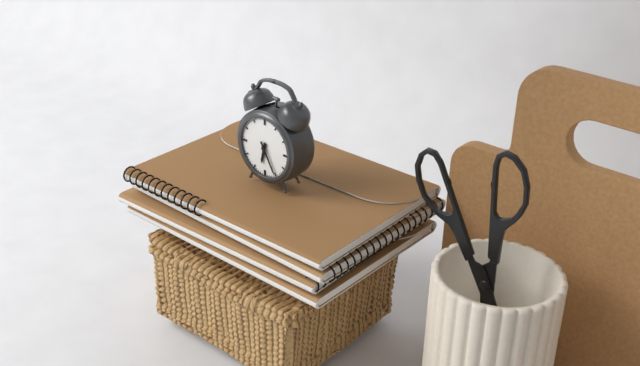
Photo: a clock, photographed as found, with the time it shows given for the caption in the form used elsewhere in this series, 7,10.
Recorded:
6,25
